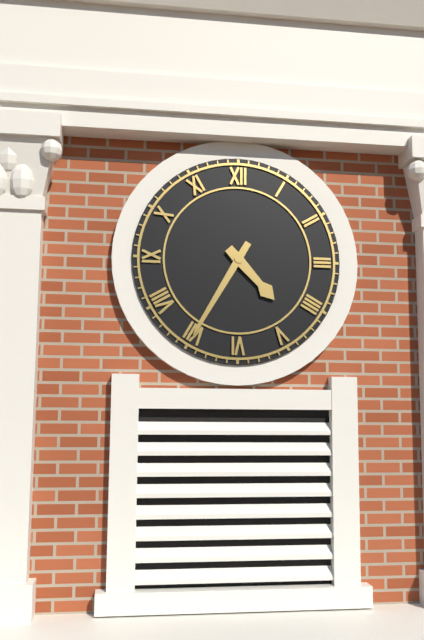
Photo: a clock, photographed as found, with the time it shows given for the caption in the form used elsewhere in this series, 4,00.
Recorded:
4,35
